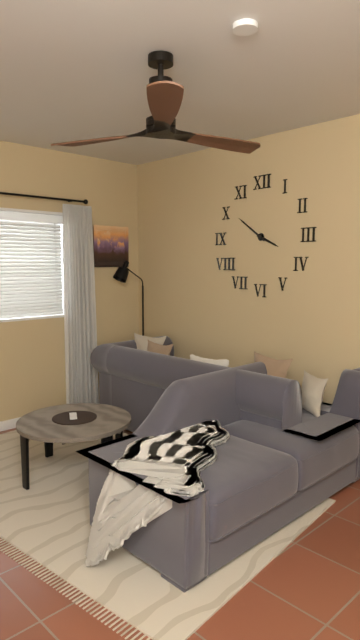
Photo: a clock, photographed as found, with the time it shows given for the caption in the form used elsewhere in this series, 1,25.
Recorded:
3,51
